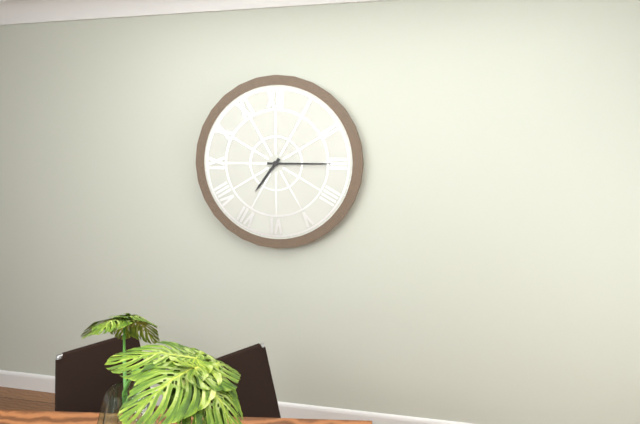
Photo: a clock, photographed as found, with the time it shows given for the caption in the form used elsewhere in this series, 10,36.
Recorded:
7,15
